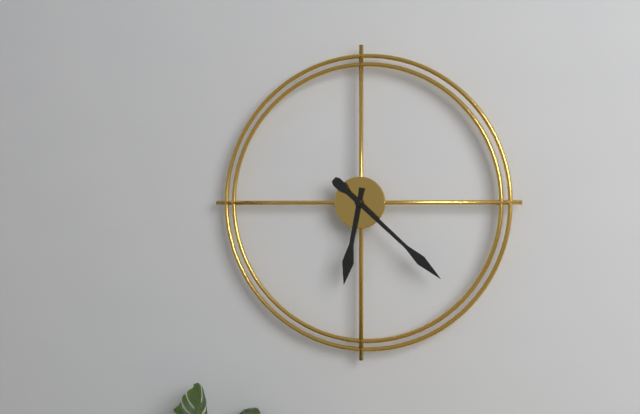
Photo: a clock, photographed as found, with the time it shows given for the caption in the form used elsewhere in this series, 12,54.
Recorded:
6,22
